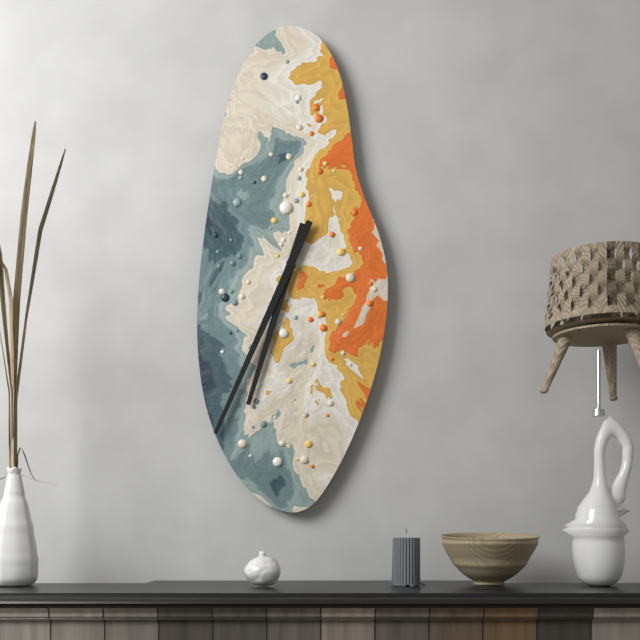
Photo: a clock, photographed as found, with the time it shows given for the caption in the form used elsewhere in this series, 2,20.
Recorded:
6,34
